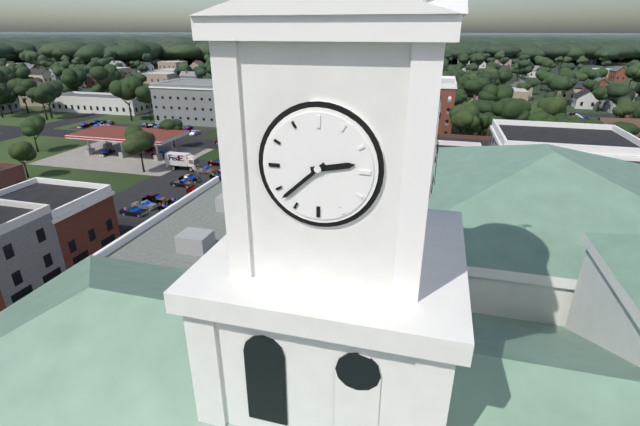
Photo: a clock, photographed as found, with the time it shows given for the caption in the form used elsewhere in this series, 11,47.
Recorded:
2,38
